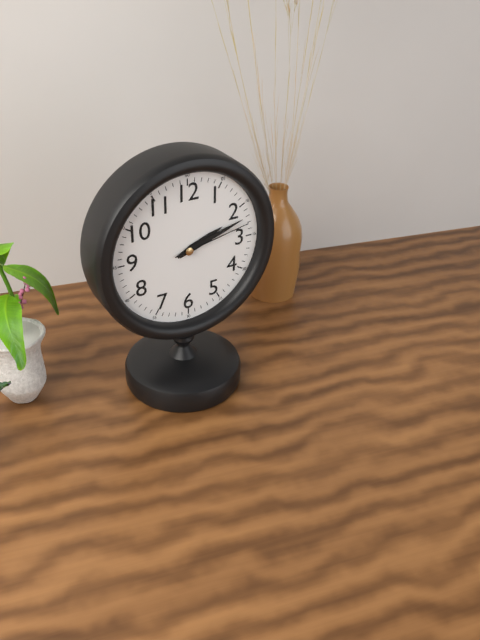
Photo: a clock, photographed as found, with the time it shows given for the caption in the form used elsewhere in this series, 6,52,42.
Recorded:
2,12,13
